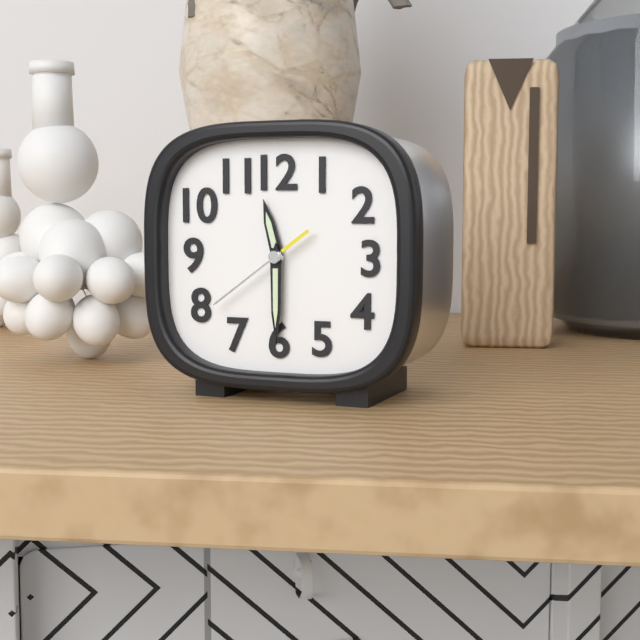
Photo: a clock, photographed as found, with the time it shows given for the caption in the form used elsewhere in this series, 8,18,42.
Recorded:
11,30,39
